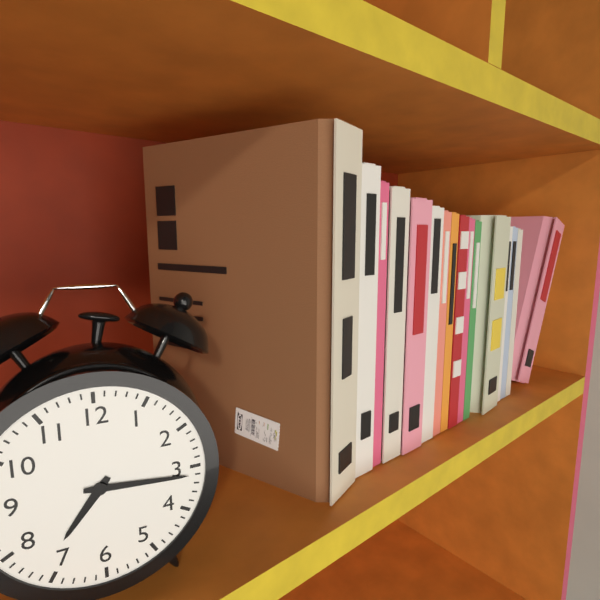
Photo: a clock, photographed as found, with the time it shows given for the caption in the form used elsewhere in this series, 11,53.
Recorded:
7,16
